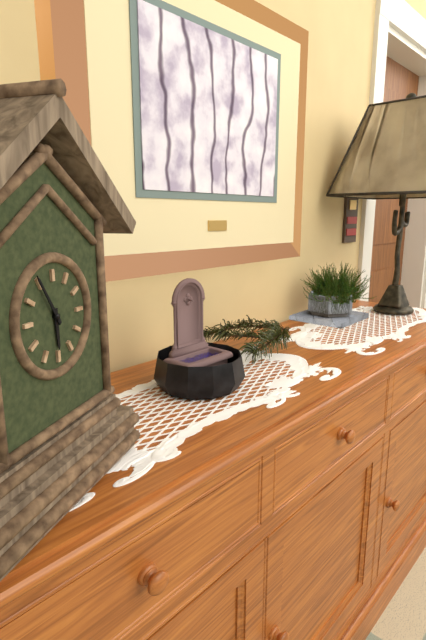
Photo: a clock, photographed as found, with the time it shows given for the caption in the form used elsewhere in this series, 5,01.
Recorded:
5,55
